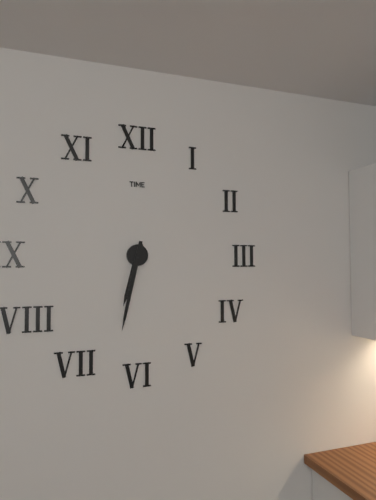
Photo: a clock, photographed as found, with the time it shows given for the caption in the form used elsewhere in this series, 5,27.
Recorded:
6,32
